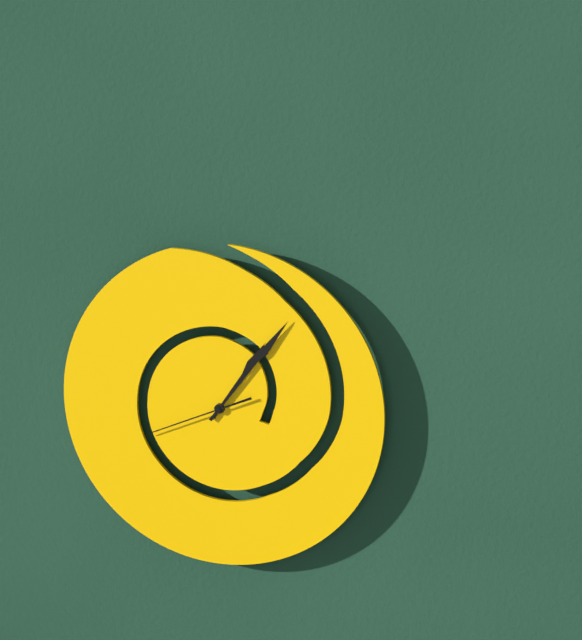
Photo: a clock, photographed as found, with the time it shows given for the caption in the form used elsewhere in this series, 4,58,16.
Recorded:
1,06,41
